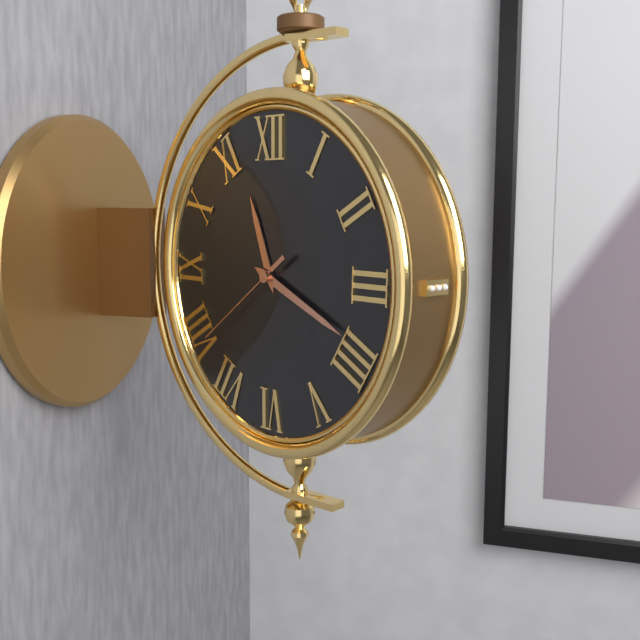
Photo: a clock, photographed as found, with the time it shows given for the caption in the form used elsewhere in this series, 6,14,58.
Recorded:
11,19,39
